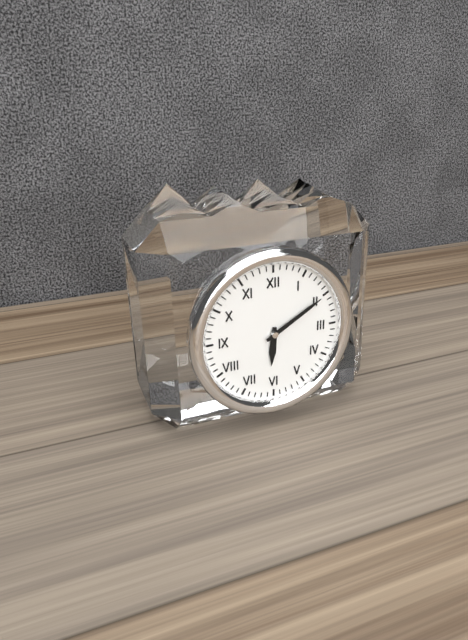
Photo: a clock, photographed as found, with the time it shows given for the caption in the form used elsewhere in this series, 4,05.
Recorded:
6,10
